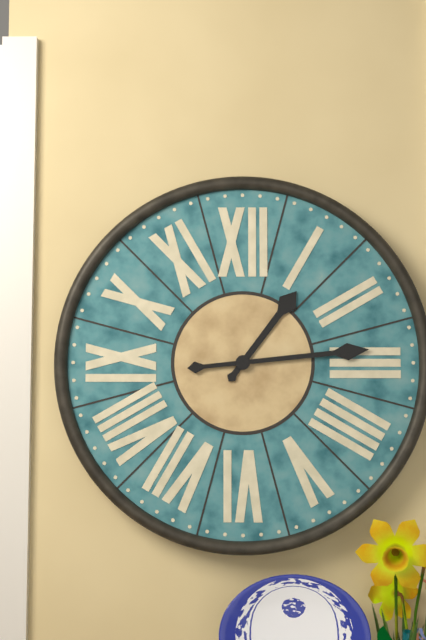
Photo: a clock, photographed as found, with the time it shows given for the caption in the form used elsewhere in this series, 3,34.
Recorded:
1,14
